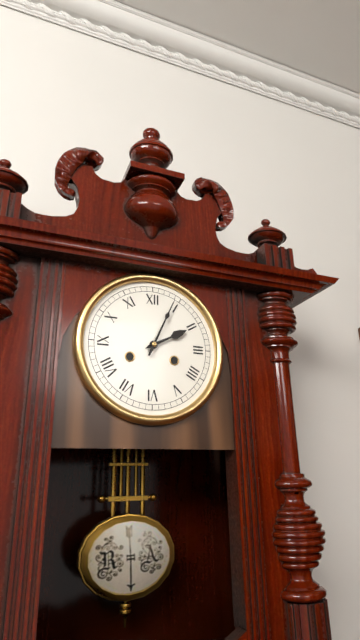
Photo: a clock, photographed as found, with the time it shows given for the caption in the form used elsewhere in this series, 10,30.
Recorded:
2,04
